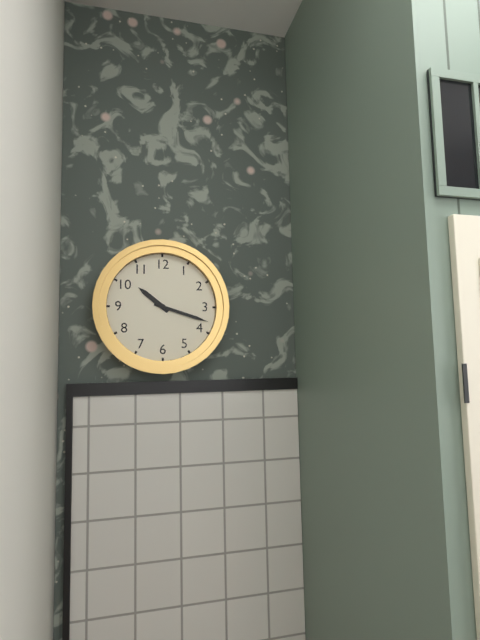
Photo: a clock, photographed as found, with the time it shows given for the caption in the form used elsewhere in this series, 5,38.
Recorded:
10,18
